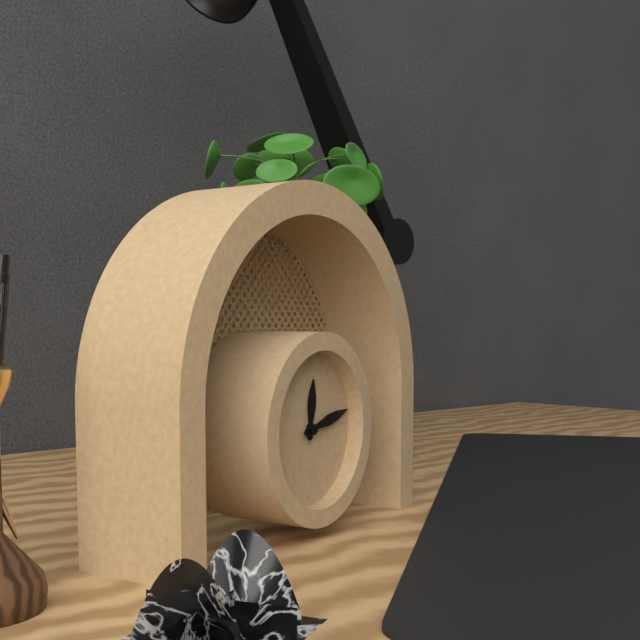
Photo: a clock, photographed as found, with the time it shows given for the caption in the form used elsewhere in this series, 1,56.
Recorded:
12,13
